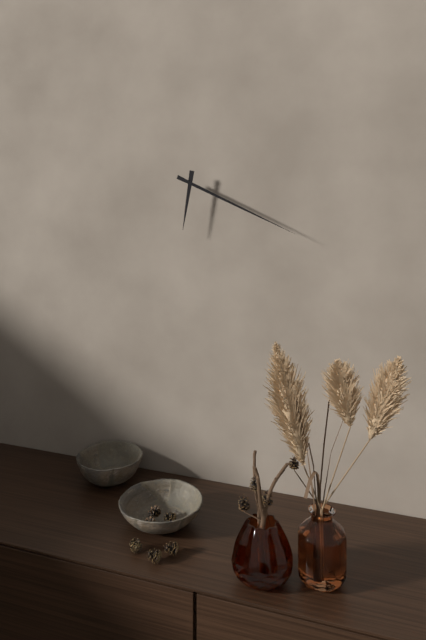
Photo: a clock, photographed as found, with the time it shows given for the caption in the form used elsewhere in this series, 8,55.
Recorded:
6,19
